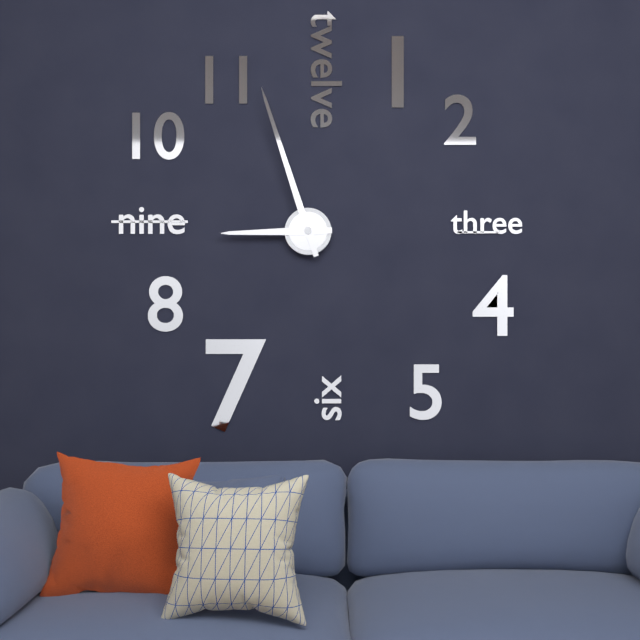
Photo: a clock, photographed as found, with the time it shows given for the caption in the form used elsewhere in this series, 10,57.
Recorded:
8,57
